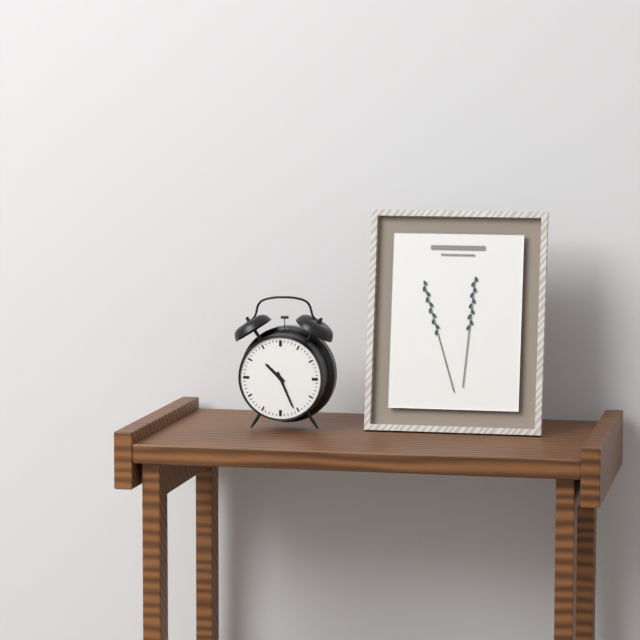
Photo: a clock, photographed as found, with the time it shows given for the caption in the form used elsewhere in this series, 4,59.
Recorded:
10,26
